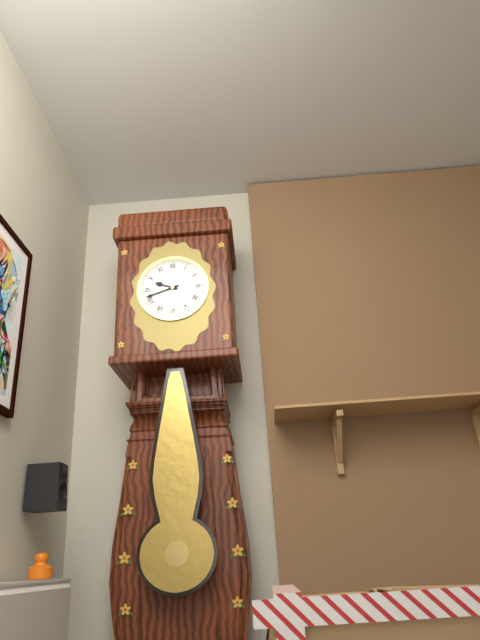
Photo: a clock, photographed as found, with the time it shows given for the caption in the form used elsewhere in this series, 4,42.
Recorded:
9,42
